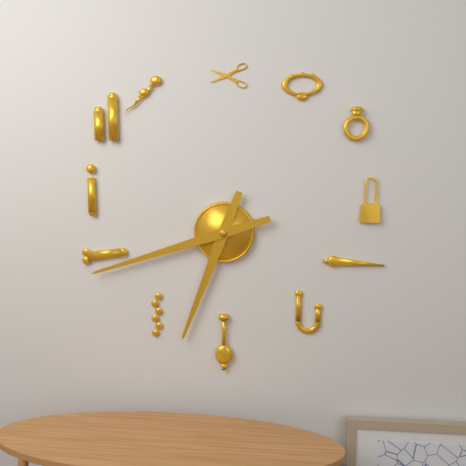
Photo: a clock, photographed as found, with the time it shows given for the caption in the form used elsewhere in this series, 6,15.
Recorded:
6,42
